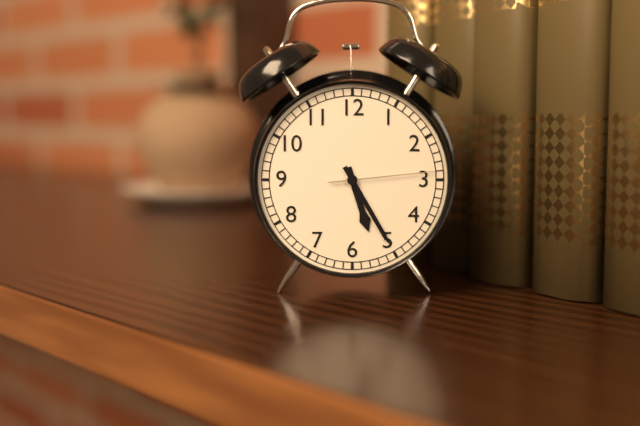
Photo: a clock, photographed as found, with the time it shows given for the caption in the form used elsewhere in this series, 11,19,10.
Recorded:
5,25,14
